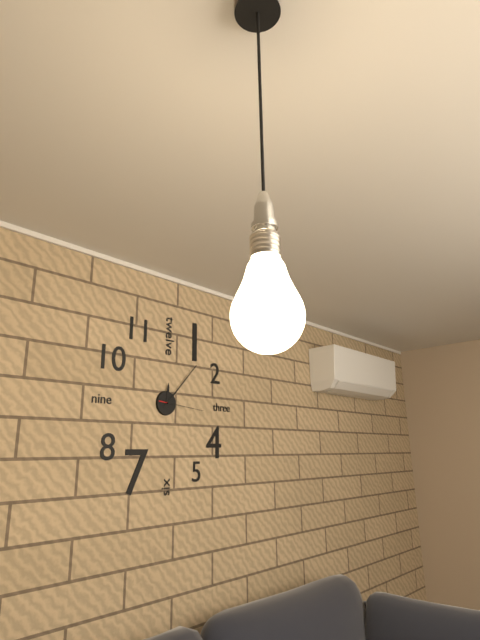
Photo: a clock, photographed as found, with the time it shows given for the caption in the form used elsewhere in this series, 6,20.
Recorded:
12,07
